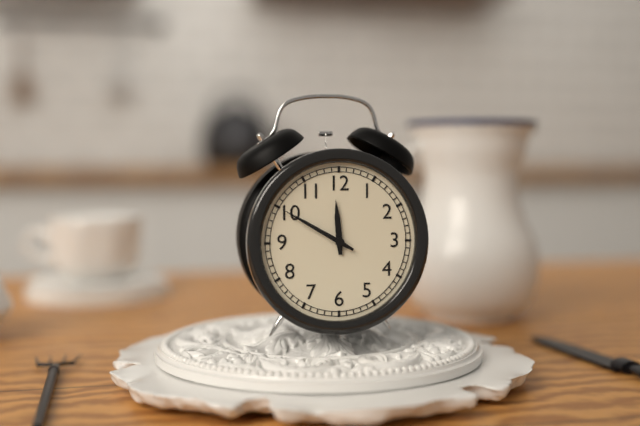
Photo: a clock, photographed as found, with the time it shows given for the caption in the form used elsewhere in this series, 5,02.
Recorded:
11,50
